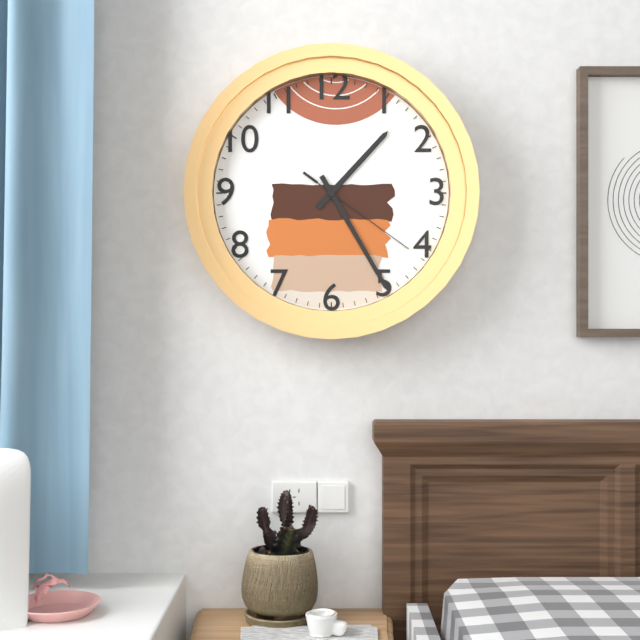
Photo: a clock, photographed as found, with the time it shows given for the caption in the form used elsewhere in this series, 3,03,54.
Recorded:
1,25,21
